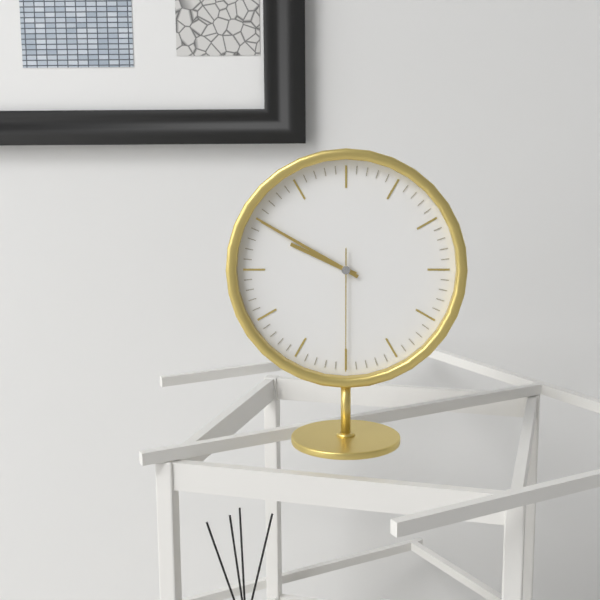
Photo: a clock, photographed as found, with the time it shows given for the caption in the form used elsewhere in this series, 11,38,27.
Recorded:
9,50,30
